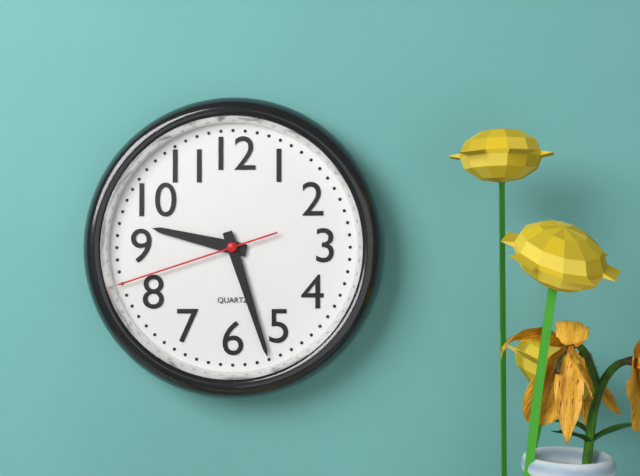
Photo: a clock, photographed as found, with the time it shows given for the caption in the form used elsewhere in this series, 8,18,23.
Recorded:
9,27,42
